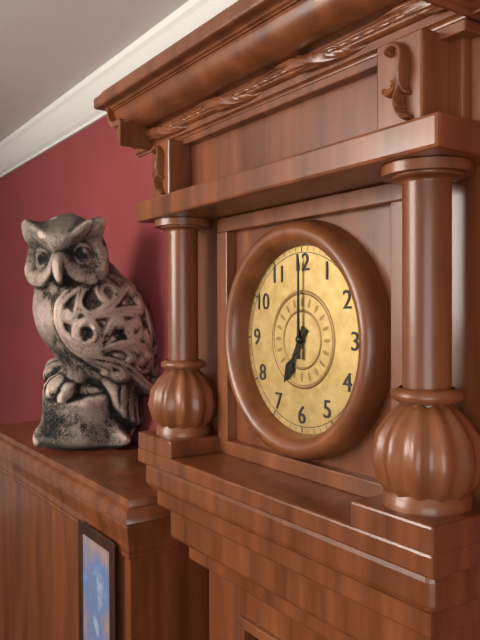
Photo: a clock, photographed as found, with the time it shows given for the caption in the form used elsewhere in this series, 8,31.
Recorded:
7,00
